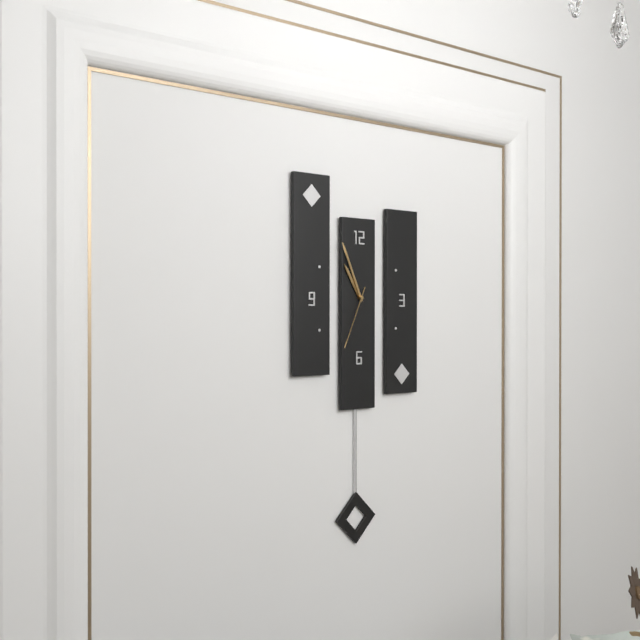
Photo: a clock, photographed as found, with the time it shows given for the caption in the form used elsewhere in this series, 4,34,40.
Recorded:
10,56,34
